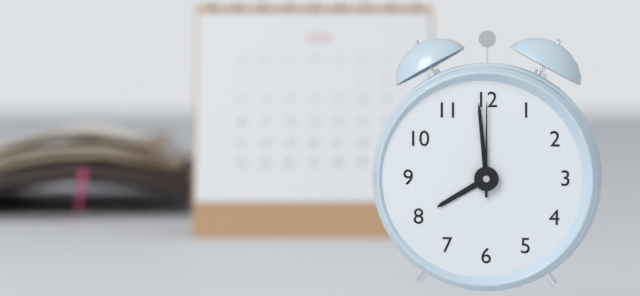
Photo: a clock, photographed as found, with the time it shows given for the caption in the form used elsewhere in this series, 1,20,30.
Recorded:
7,59,00
